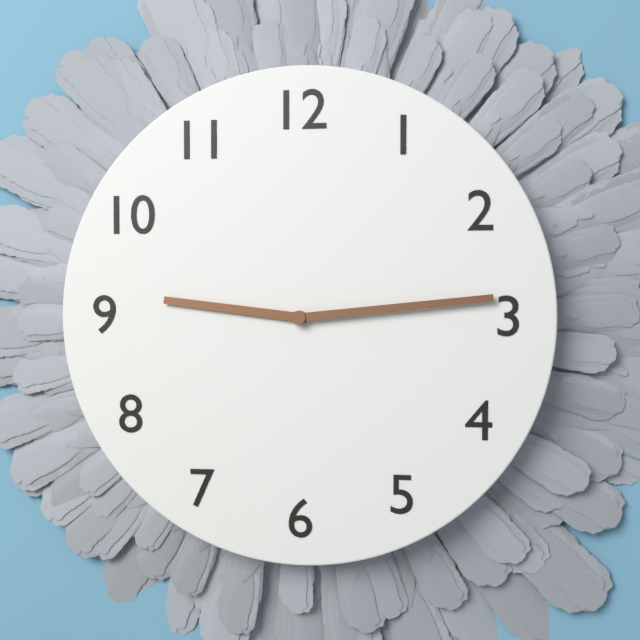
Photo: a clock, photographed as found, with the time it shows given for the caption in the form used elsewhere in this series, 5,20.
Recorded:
9,14
